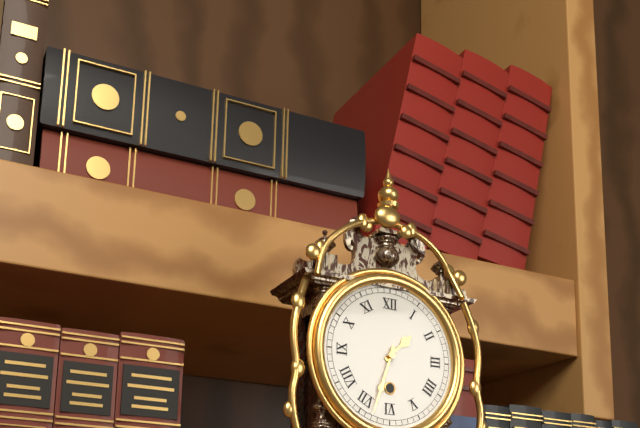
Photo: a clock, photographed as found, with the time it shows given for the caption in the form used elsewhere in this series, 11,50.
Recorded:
1,33
